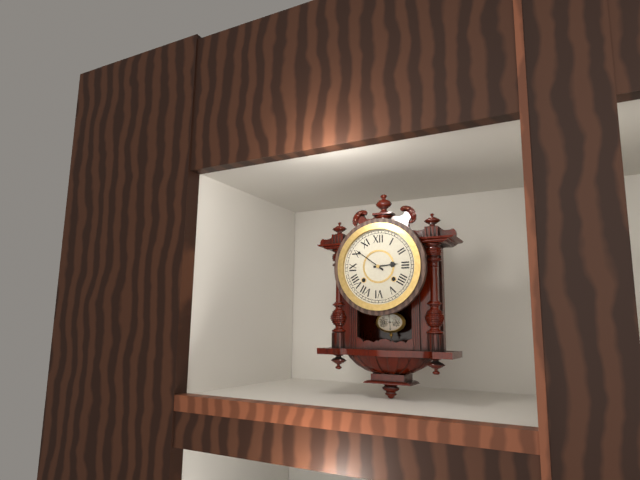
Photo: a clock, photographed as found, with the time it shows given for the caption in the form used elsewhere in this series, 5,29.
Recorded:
2,51
